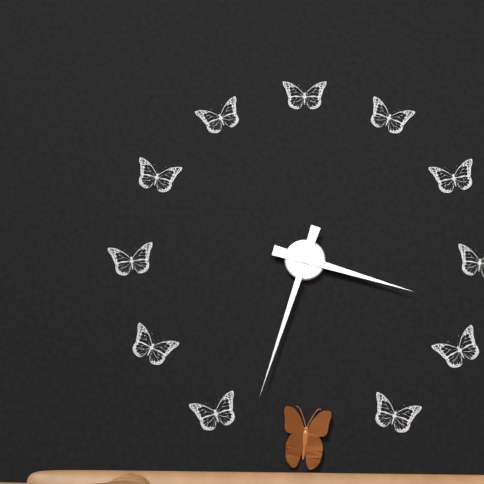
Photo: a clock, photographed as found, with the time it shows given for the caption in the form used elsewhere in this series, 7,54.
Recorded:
3,33
